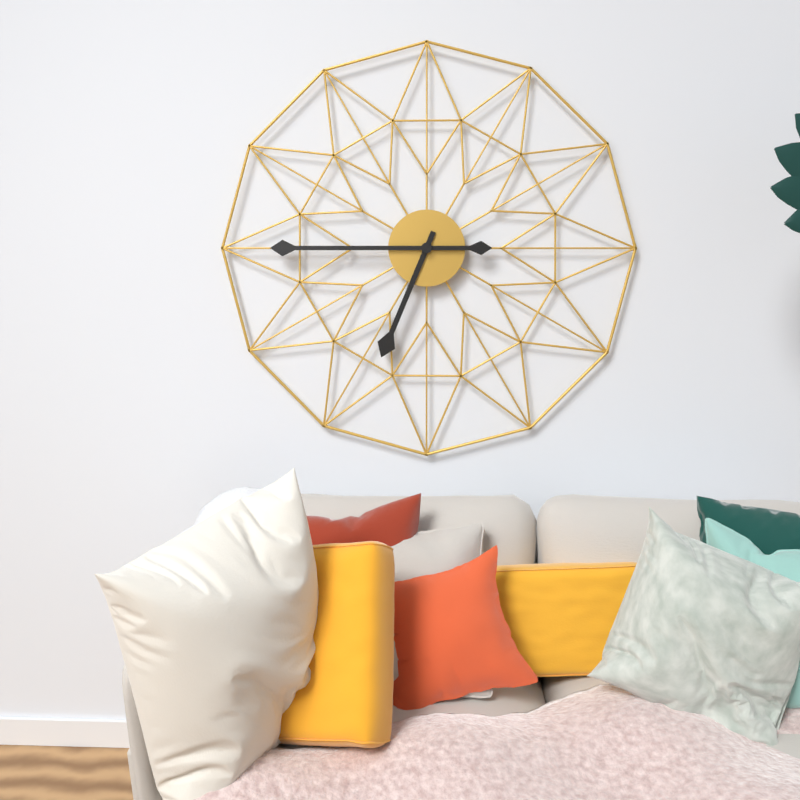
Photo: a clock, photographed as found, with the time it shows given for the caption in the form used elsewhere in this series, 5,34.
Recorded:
6,45
